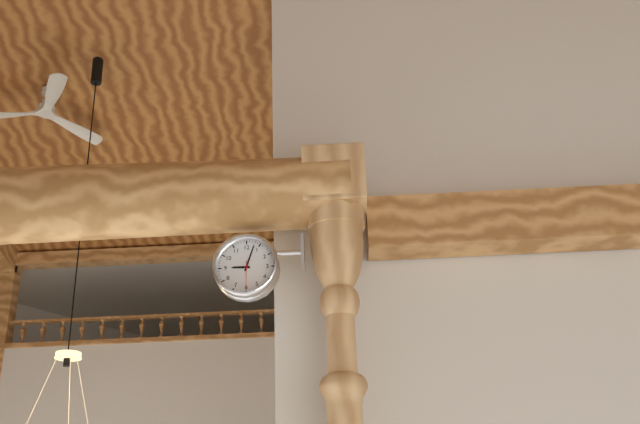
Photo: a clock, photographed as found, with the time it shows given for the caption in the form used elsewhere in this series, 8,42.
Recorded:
9,03
